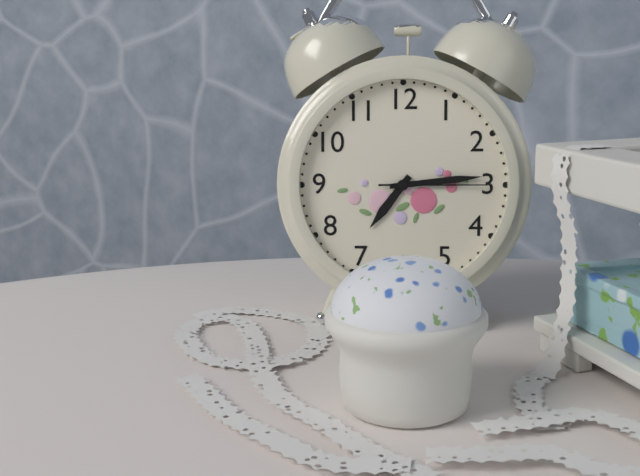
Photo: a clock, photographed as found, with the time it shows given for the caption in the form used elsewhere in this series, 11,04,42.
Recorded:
7,14,15
